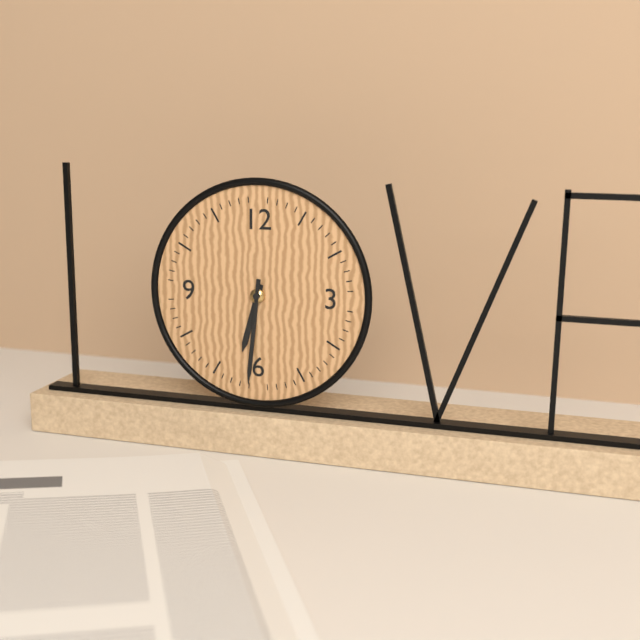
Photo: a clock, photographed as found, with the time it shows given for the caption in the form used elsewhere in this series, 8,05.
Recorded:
6,31
